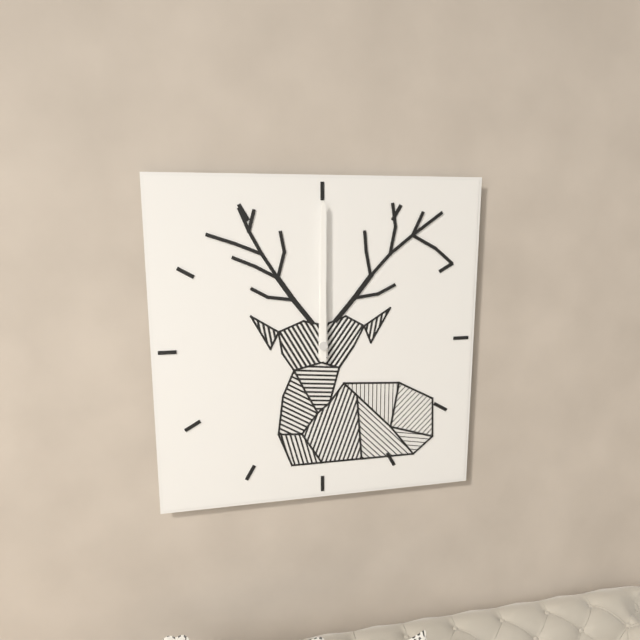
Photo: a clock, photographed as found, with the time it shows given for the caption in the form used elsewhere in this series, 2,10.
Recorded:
12,00
